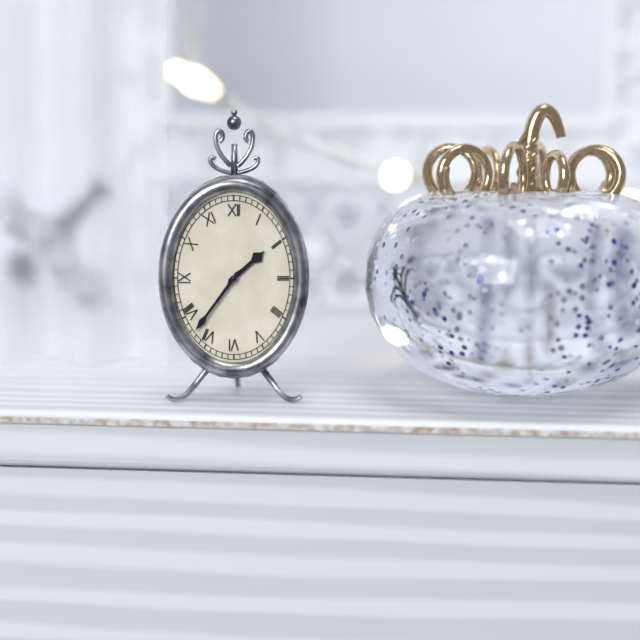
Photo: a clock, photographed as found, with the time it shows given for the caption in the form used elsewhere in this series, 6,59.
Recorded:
1,36
